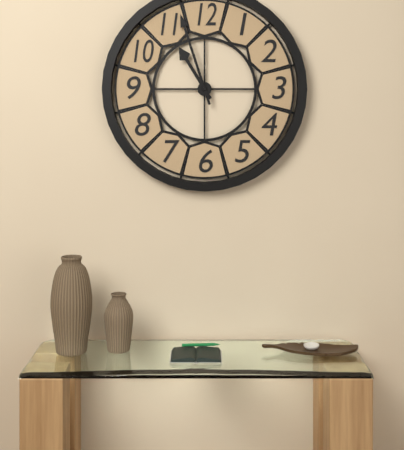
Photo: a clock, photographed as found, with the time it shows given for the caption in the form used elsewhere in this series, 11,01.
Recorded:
10,57
